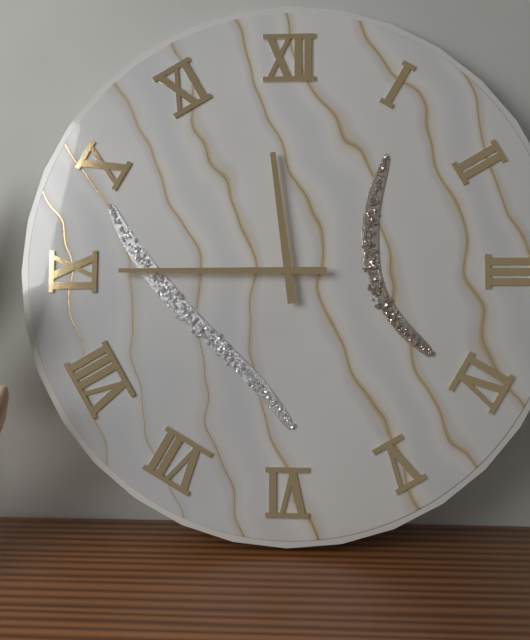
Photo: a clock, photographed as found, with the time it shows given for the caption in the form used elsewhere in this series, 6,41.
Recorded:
11,45
